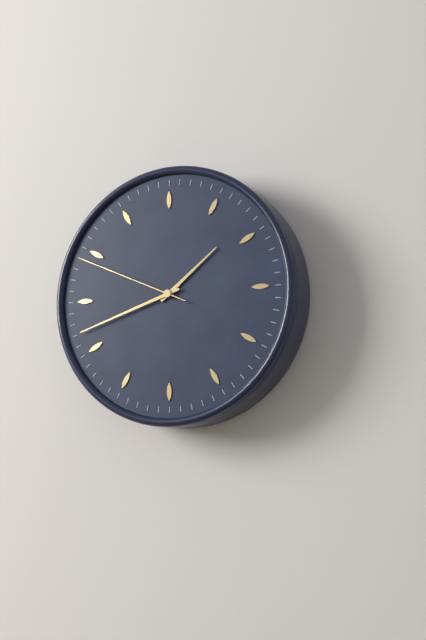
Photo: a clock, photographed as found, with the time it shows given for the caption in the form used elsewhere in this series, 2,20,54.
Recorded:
1,42,49
